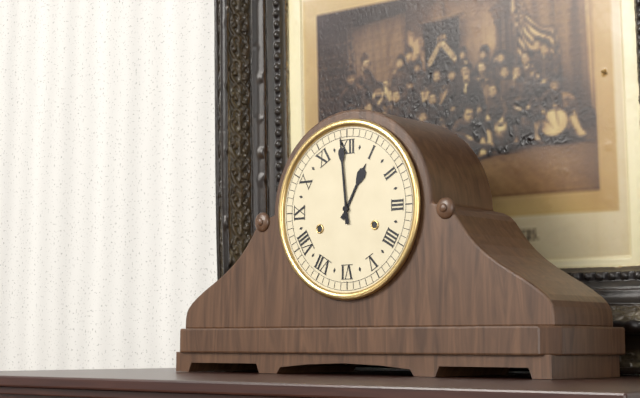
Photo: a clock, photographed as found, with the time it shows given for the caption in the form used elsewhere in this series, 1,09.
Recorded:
12,59
